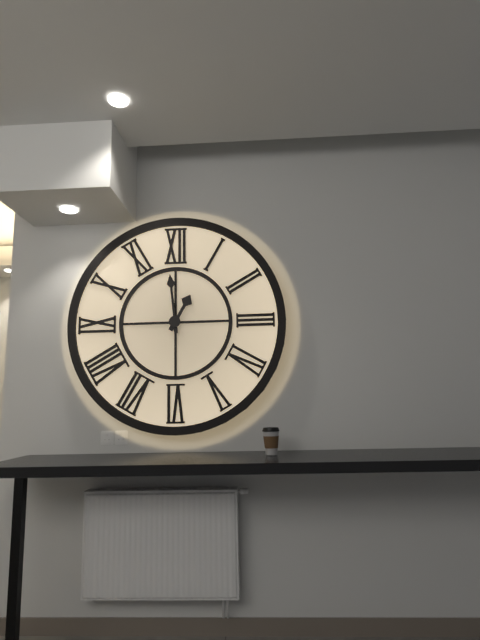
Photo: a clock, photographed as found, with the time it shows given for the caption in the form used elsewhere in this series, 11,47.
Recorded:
12,59
